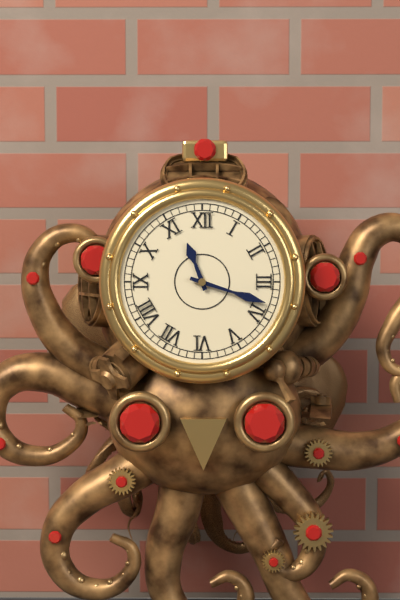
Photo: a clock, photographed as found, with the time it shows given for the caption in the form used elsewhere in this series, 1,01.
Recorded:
11,18
